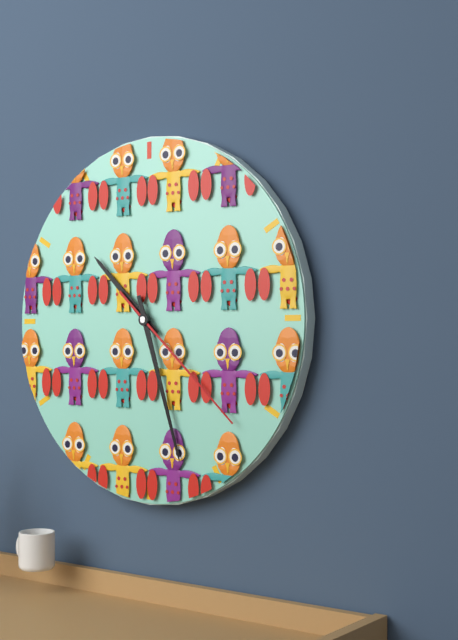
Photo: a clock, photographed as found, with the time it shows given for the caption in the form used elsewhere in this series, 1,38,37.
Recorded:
10,27,22
